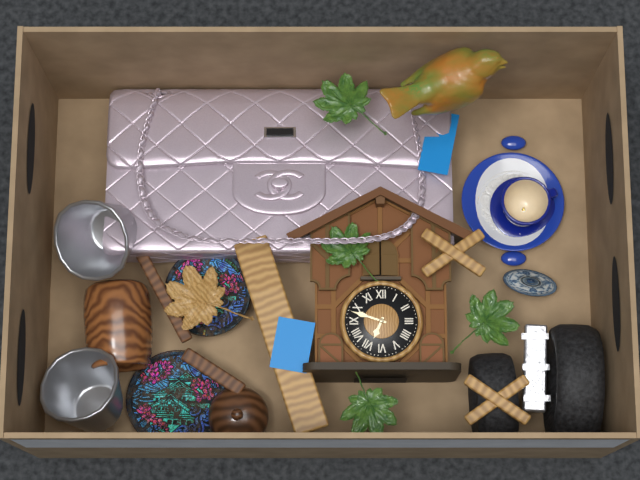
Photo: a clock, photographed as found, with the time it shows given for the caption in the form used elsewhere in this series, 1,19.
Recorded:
6,48
